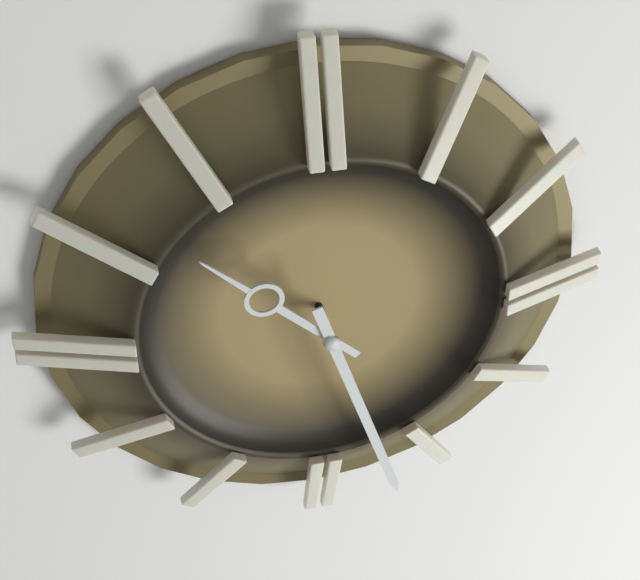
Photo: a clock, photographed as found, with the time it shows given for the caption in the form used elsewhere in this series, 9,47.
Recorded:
10,27
